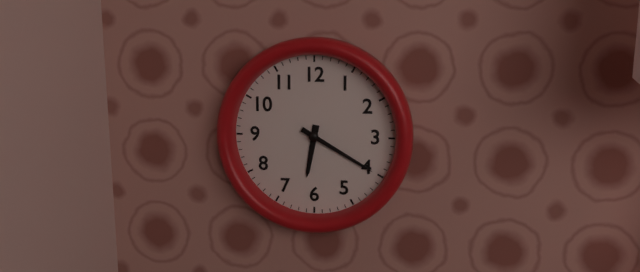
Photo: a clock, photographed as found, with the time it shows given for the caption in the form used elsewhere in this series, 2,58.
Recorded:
6,20
